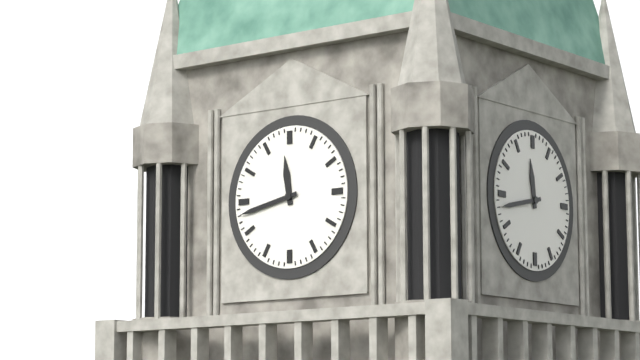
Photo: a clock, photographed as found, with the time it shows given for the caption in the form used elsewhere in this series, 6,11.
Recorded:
11,43
